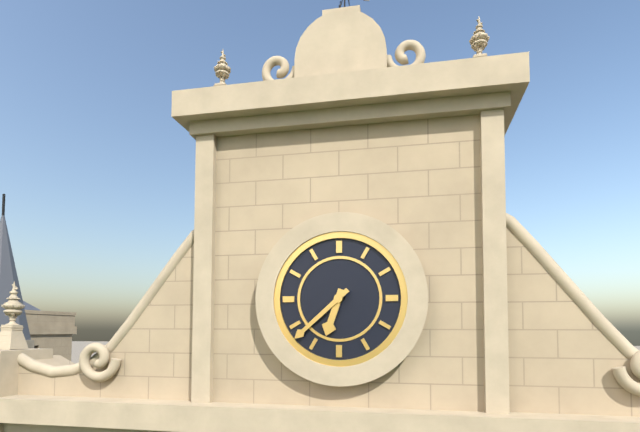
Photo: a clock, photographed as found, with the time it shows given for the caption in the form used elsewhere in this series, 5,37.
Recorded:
6,38
